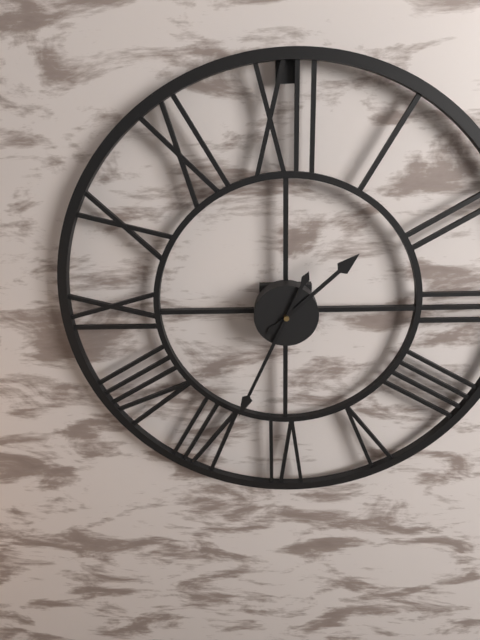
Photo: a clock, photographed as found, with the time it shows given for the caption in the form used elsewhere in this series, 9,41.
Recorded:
1,34
